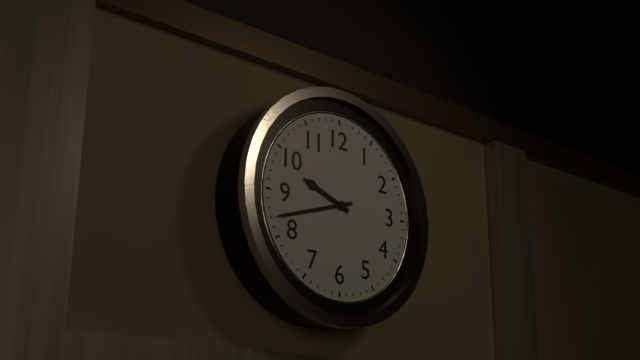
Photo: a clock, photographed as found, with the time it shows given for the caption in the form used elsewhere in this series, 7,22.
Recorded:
9,42
